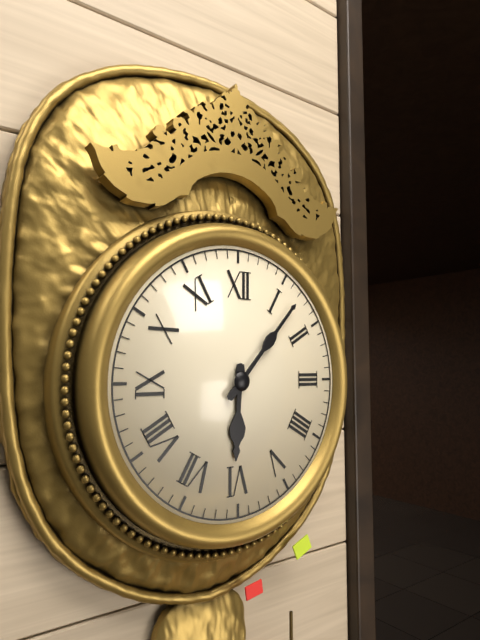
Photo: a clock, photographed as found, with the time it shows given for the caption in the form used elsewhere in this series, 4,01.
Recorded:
6,07
